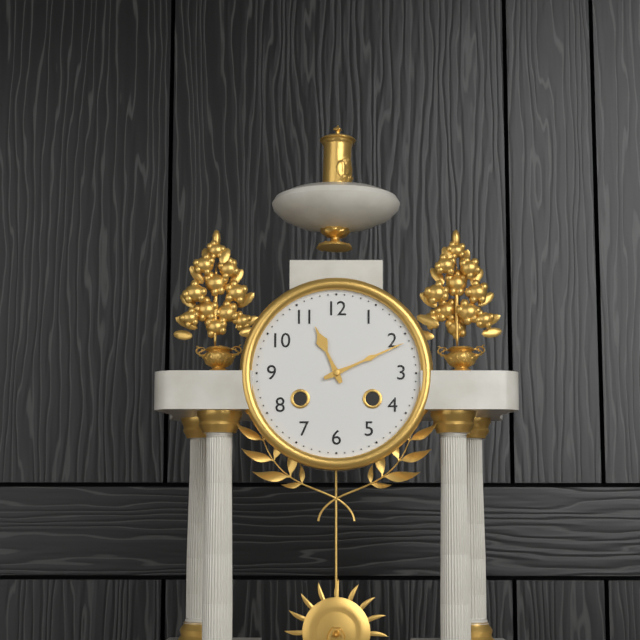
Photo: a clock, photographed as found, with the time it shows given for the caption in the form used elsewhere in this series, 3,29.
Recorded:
11,11
